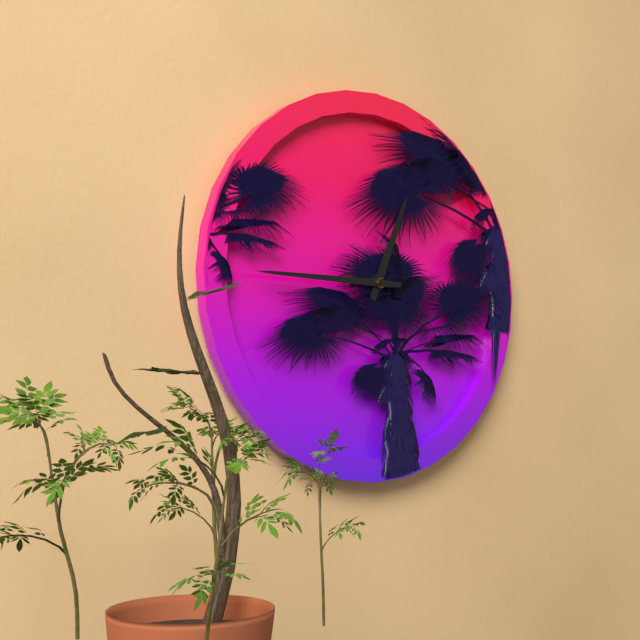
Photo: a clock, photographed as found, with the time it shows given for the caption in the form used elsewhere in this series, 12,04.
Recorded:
12,45
